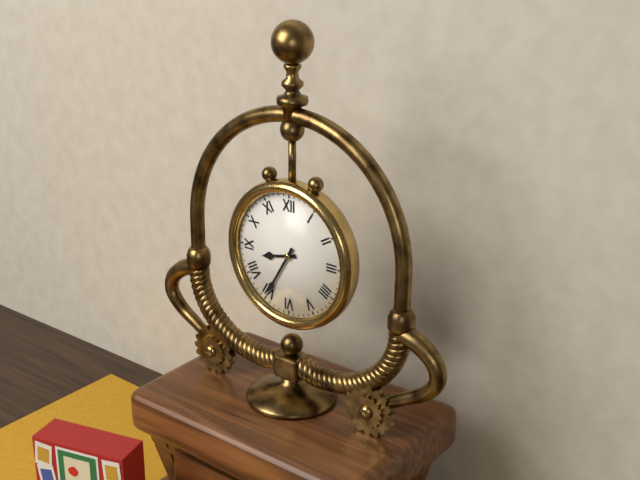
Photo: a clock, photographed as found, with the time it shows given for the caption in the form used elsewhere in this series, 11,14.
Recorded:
8,35
